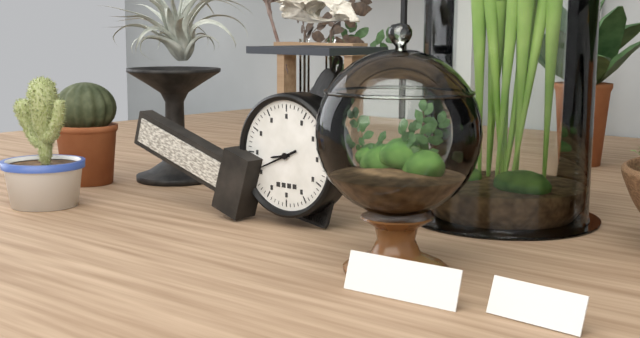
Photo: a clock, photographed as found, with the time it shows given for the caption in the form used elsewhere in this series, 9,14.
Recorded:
8,41
